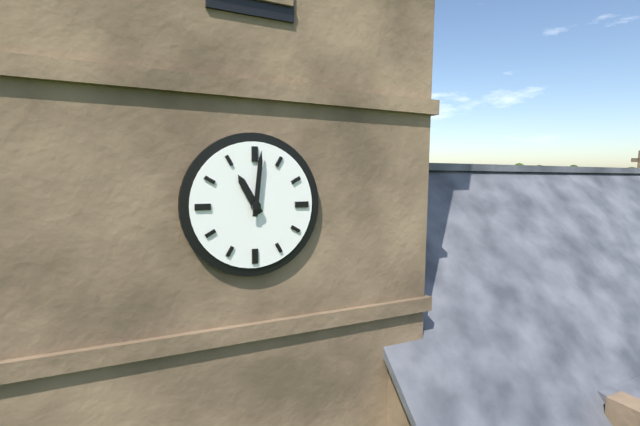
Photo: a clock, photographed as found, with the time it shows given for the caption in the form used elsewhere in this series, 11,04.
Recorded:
11,01
